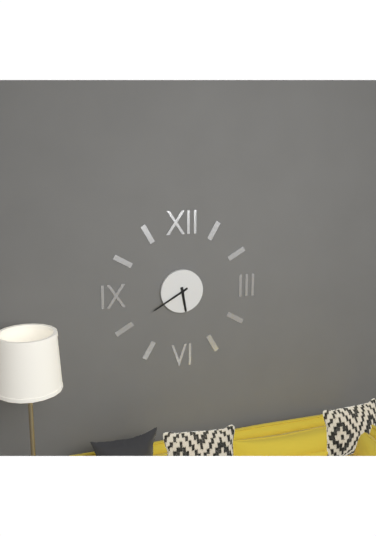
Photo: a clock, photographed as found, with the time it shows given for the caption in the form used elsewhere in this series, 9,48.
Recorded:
5,40
